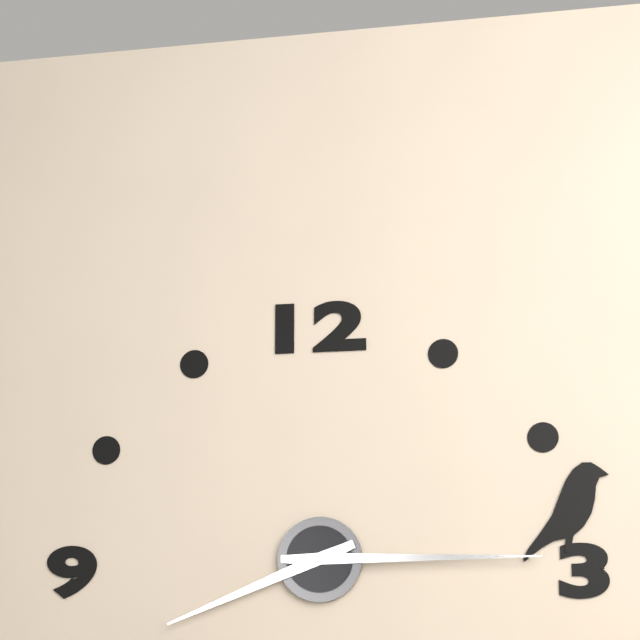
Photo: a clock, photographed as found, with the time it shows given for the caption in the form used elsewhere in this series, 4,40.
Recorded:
8,15
